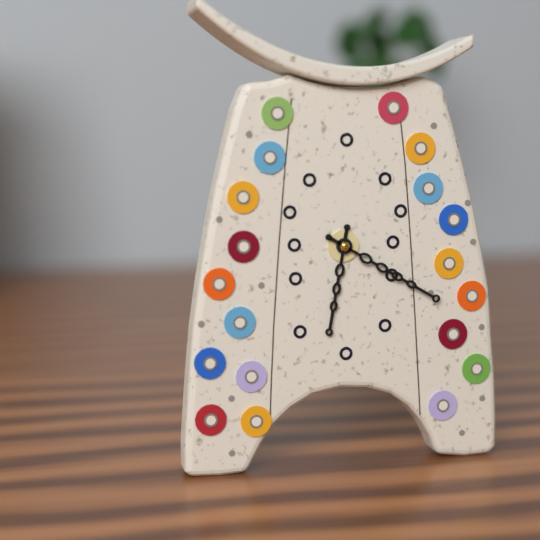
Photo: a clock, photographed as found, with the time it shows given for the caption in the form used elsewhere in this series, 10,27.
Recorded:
6,20
